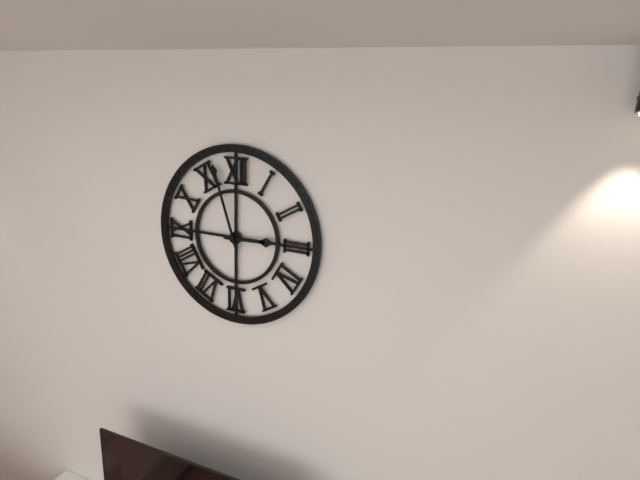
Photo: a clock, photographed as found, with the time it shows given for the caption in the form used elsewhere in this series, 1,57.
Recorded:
2,57
